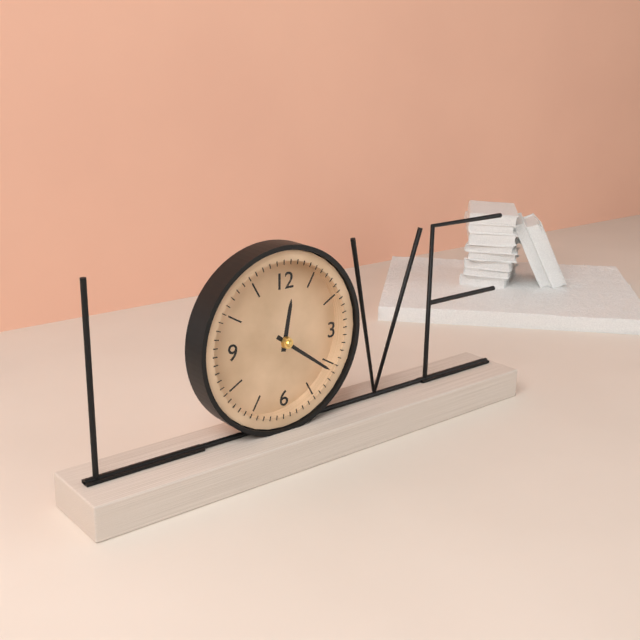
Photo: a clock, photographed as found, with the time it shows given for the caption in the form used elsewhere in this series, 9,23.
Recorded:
12,21
